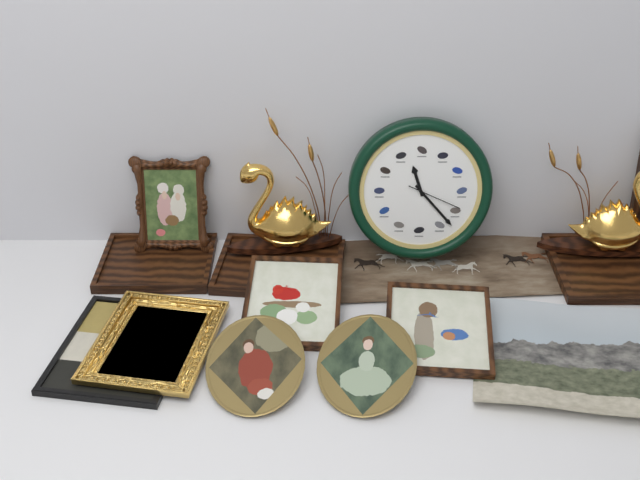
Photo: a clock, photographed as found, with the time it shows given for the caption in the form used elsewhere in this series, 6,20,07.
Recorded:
11,23,19
